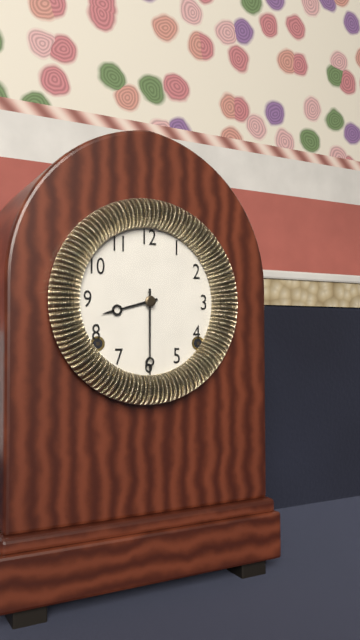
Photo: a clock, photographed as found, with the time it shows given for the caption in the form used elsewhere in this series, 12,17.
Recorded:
8,30
